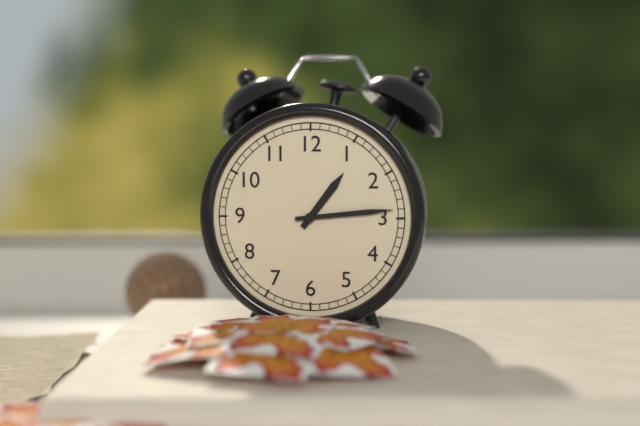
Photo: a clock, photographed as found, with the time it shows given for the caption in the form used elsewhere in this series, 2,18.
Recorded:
1,14
